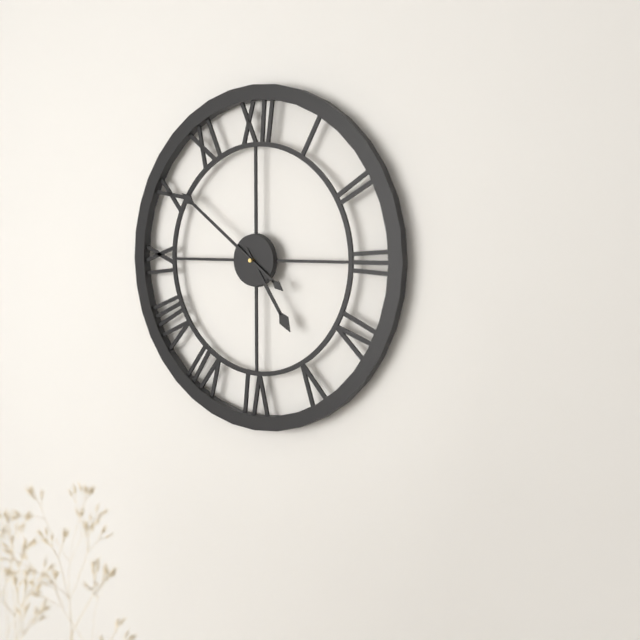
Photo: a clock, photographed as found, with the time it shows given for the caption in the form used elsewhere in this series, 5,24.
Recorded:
4,51
